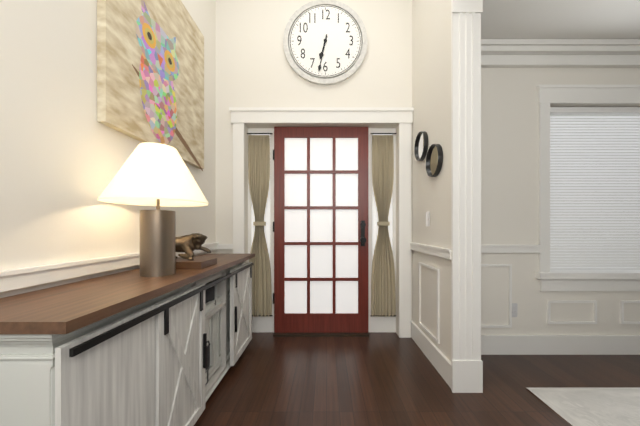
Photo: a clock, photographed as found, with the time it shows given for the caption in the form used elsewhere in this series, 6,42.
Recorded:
6,32
